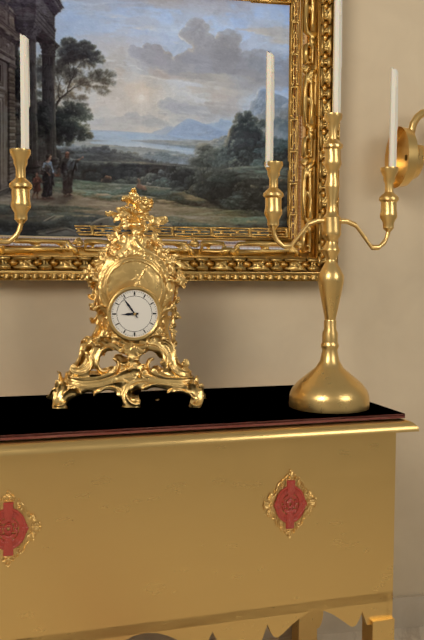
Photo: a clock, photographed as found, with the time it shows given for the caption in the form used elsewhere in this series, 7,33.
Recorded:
8,54
